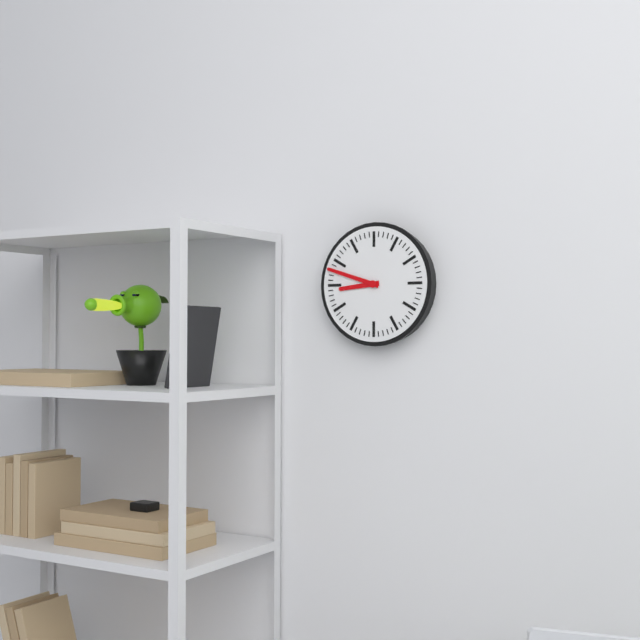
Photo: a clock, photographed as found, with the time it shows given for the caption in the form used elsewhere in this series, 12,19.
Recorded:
8,48
